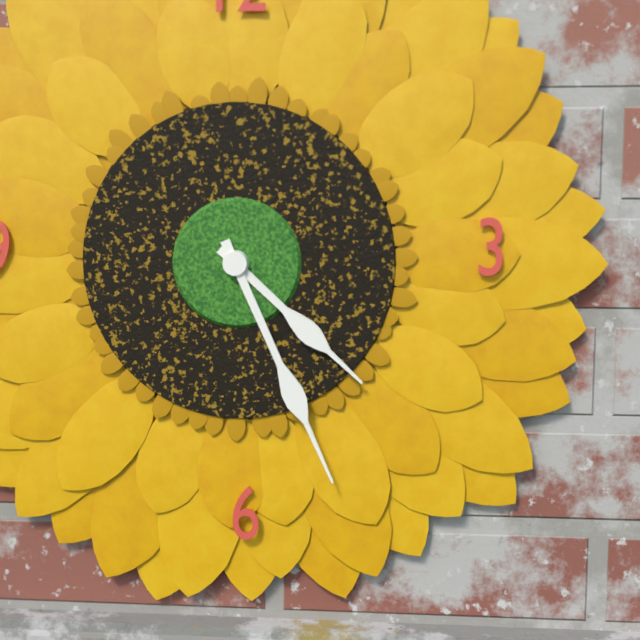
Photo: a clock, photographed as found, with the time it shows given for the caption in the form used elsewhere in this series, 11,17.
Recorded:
4,26
